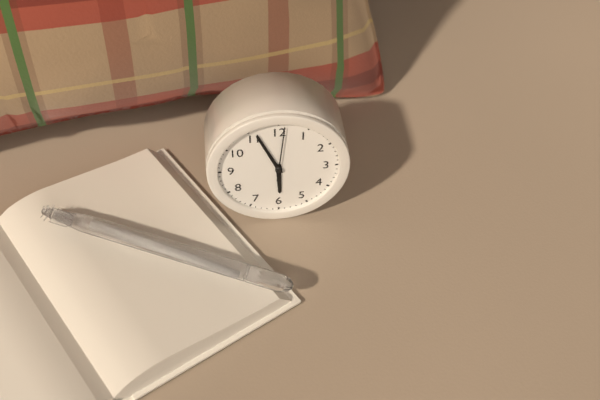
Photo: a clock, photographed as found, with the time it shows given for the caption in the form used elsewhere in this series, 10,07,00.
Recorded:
5,56,01
